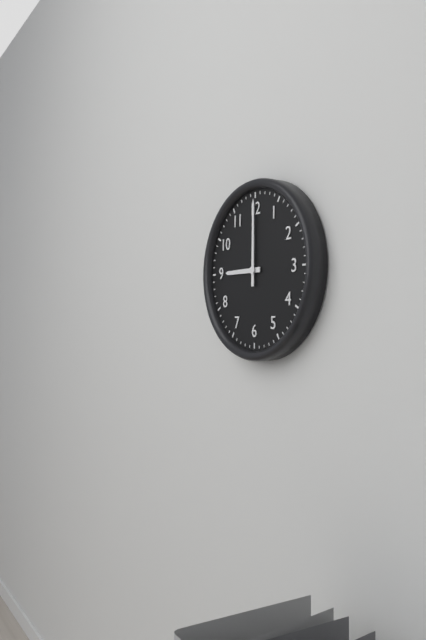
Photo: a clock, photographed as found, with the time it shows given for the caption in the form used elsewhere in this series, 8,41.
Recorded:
9,00
